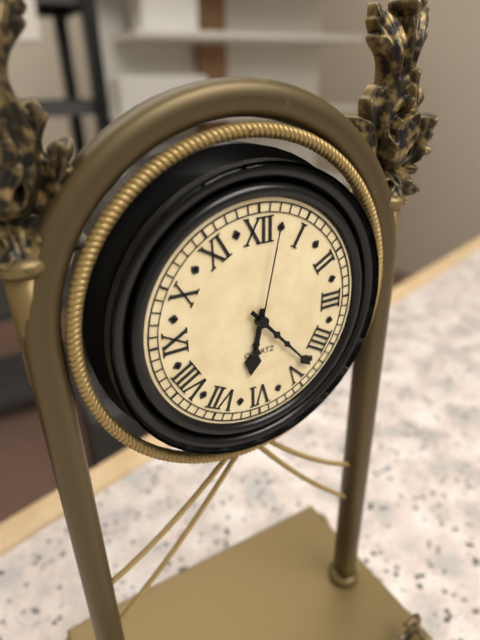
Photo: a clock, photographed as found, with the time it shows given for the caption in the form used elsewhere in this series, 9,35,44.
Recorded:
6,23,02
